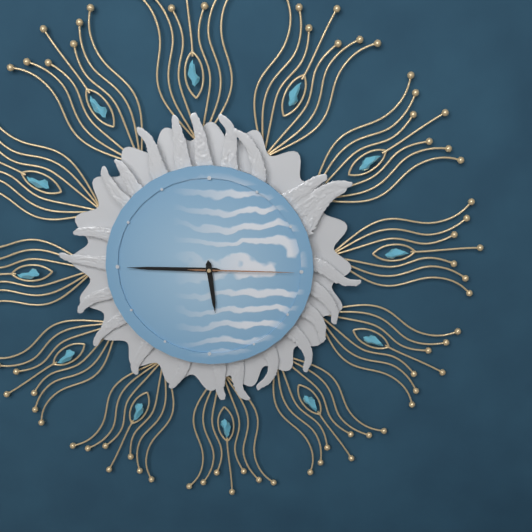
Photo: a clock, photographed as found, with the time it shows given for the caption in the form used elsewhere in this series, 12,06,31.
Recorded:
5,45,15
